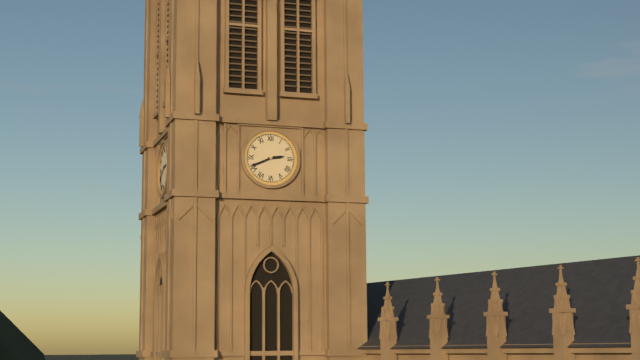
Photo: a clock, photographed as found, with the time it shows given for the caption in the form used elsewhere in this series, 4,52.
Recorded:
2,41
